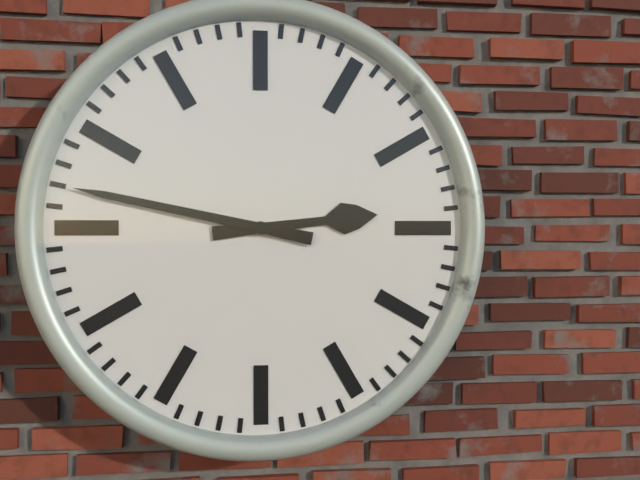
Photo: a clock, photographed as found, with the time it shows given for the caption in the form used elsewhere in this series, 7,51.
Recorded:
2,47
